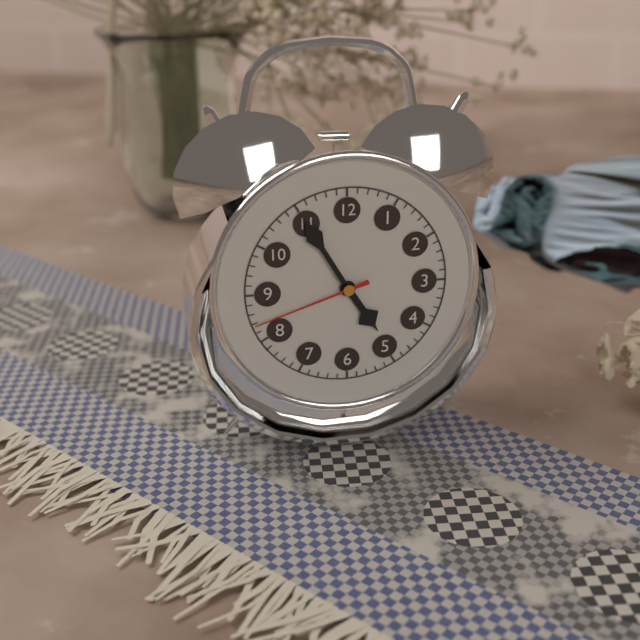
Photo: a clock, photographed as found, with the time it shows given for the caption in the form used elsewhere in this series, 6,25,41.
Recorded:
4,55,42
